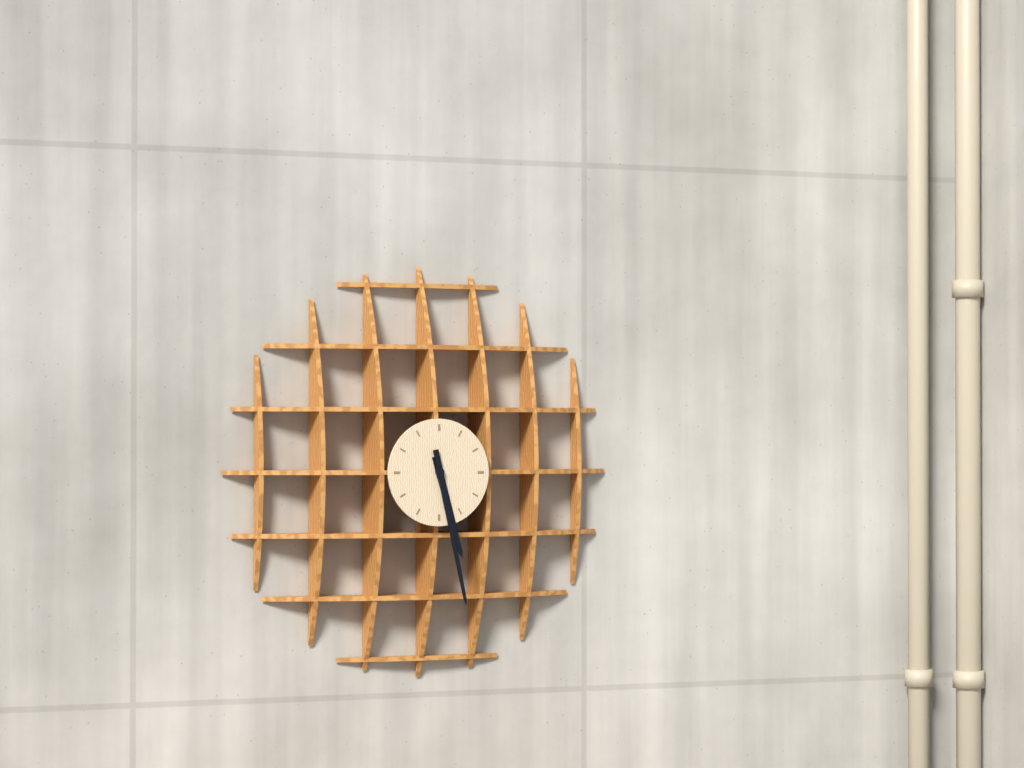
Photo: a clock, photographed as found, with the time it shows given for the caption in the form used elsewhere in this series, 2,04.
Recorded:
5,28
